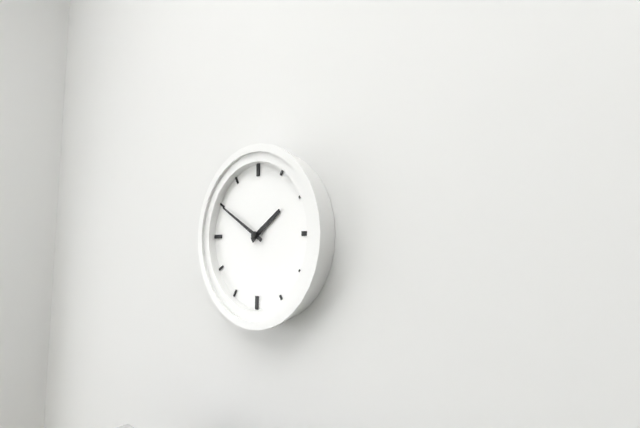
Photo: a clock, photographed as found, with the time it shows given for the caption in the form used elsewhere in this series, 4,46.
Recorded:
1,50
